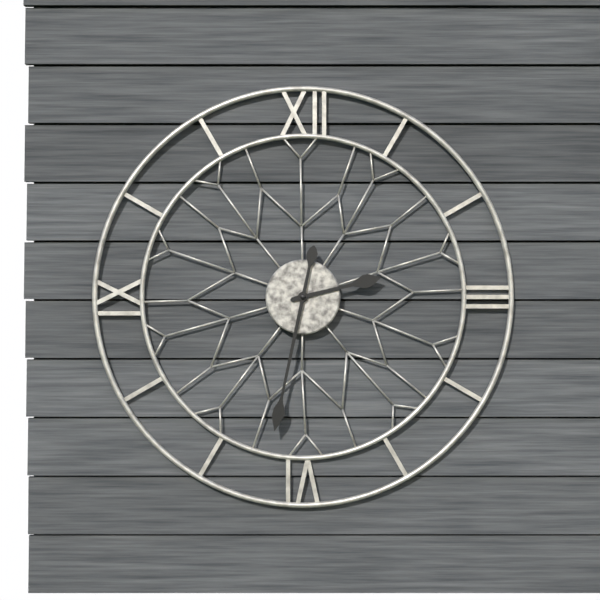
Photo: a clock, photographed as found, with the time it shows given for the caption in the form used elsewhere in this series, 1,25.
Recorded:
2,32
